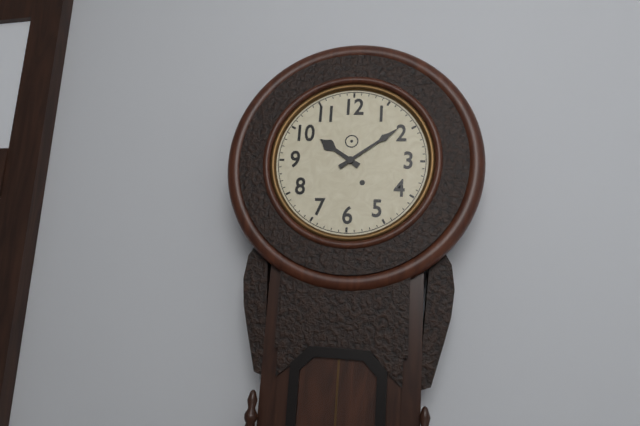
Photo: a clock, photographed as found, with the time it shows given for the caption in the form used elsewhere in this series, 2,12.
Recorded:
10,09
